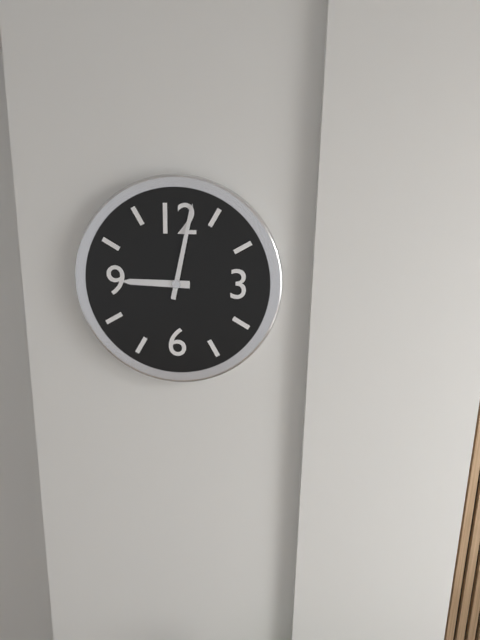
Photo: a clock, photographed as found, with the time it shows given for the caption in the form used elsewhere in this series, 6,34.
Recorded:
9,02
